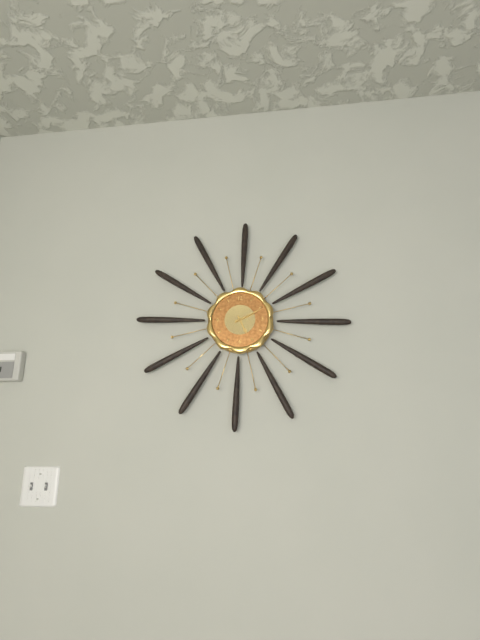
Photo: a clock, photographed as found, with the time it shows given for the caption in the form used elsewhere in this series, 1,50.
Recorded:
5,11
